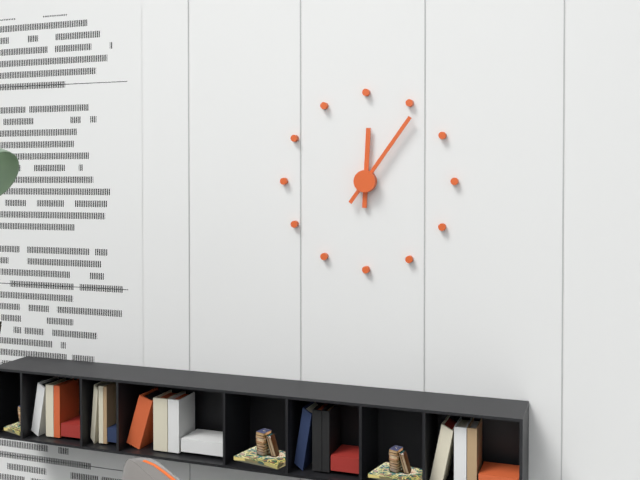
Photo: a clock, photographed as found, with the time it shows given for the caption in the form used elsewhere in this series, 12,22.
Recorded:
12,06
